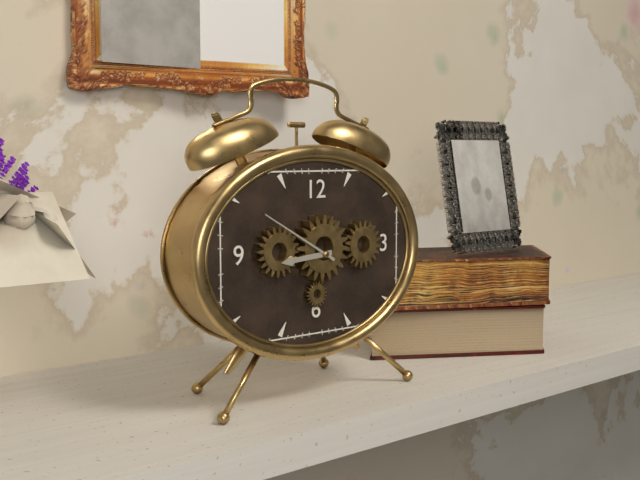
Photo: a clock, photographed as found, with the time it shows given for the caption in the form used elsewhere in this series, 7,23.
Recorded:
8,50
